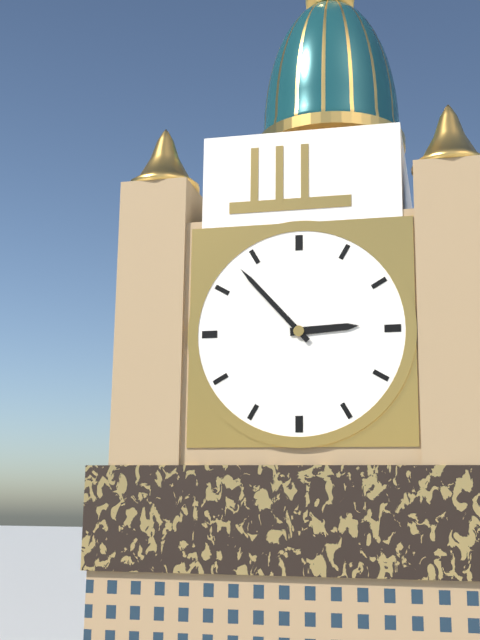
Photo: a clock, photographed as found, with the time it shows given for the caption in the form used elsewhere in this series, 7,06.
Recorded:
2,53
